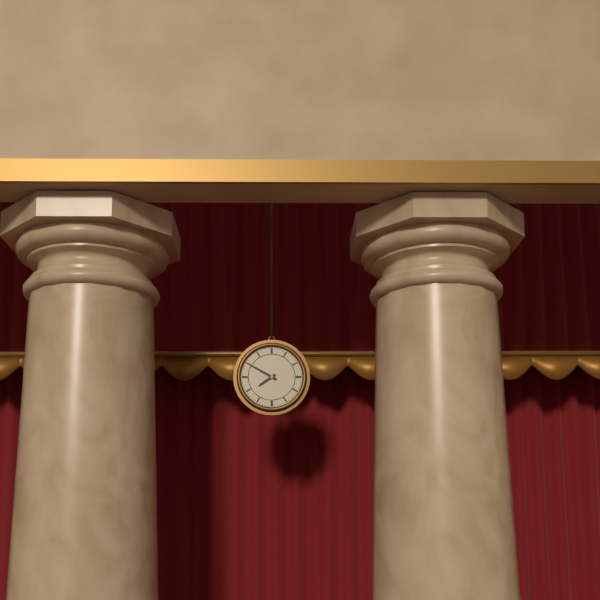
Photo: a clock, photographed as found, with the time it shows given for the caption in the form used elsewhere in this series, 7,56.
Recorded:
7,50
